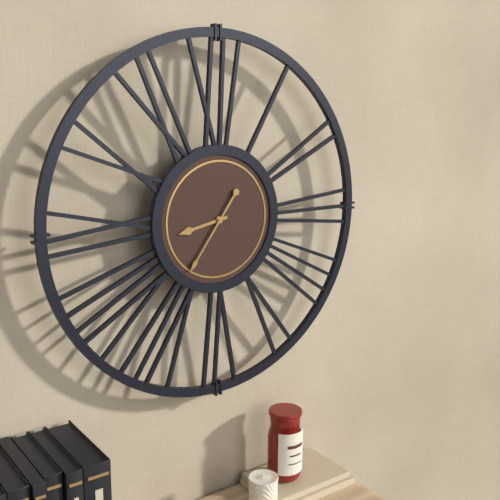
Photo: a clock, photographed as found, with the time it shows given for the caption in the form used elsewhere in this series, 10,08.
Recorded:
8,36
